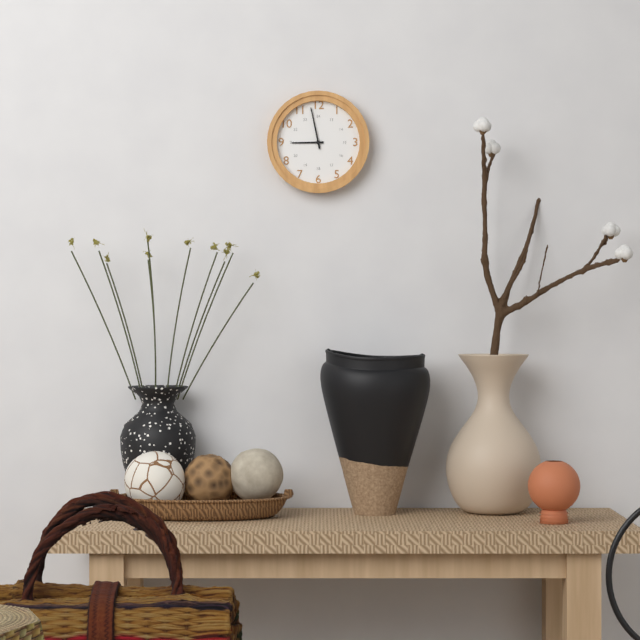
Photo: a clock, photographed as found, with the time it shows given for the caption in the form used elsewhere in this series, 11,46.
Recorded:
8,58
